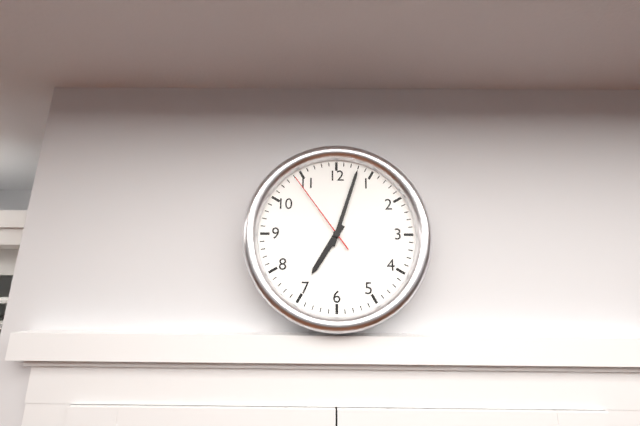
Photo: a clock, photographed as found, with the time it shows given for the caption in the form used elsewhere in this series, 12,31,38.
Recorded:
7,03,54
